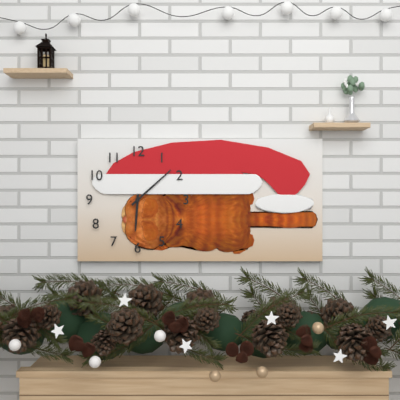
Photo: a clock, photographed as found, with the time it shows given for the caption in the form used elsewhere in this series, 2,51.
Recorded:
6,08
